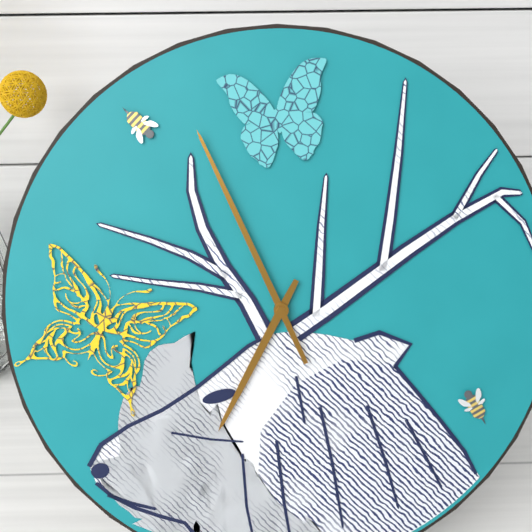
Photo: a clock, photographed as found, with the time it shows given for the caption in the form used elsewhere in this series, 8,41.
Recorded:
6,56
